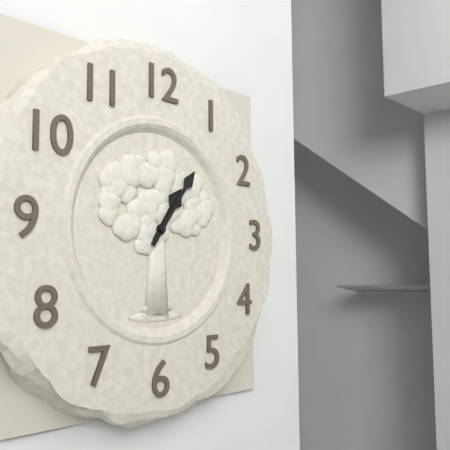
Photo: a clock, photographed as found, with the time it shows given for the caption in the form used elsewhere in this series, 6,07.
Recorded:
1,06
